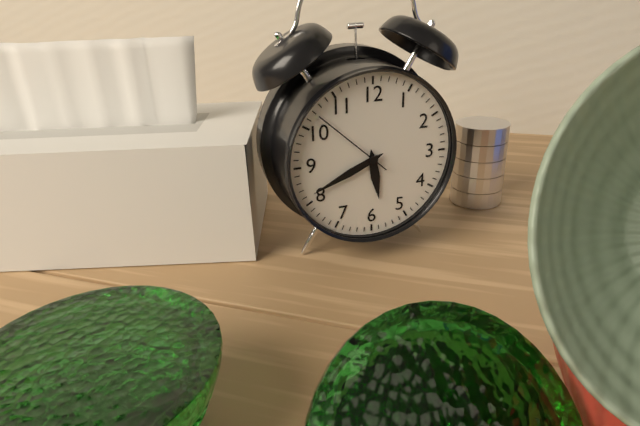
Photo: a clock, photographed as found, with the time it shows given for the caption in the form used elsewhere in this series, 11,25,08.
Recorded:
5,41,52
